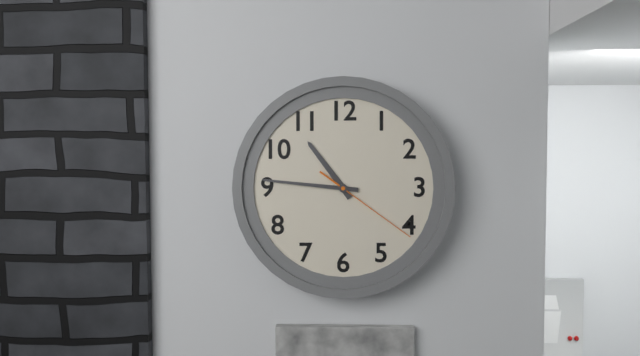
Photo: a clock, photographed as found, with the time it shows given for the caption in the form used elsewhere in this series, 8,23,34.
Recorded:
10,46,21
